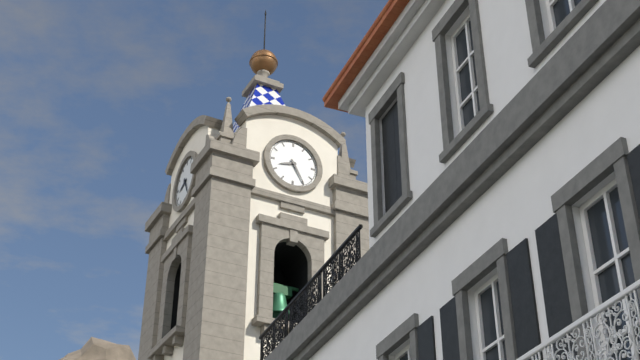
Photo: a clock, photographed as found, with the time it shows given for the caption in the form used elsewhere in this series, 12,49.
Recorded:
8,25
